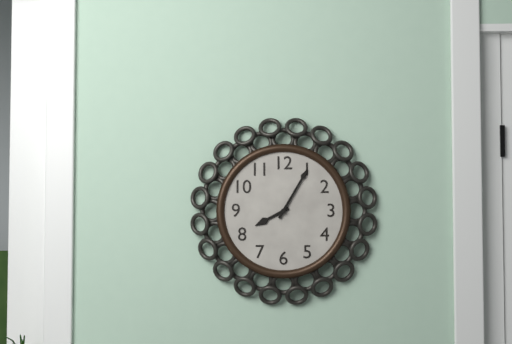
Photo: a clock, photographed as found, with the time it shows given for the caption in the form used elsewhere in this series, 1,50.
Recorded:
8,05
